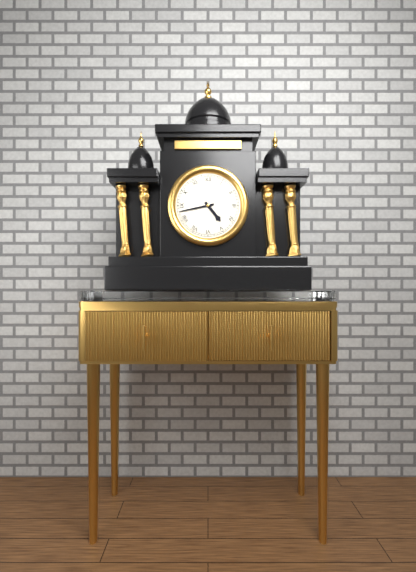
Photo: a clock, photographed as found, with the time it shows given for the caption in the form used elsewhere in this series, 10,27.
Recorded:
4,43
